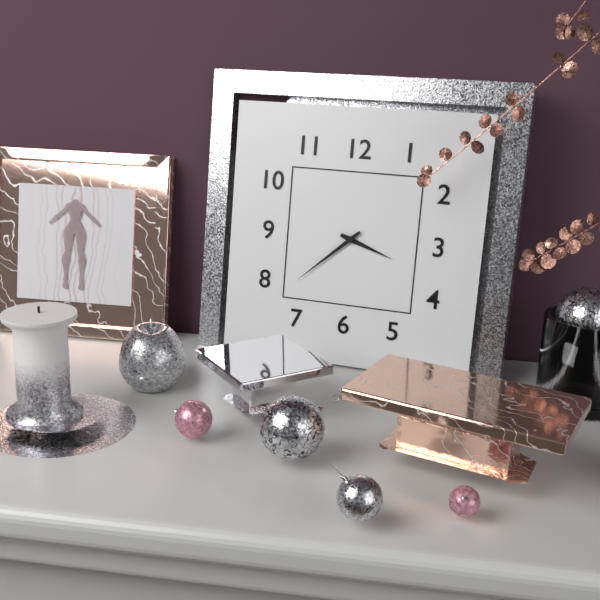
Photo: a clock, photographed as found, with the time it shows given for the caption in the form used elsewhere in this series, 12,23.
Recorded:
3,38
